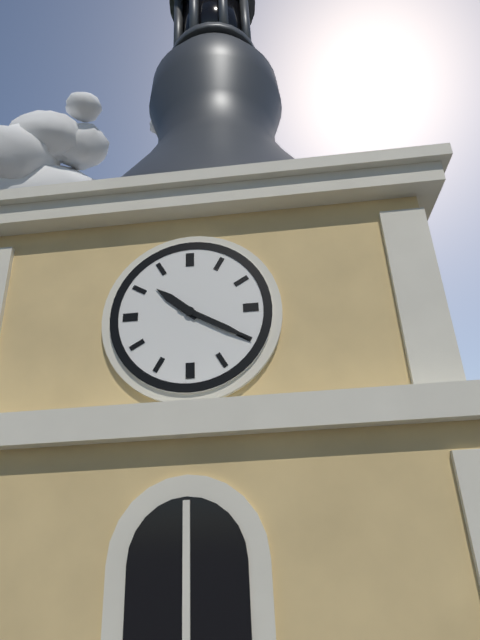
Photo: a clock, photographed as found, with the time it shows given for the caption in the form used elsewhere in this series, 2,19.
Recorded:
10,20
